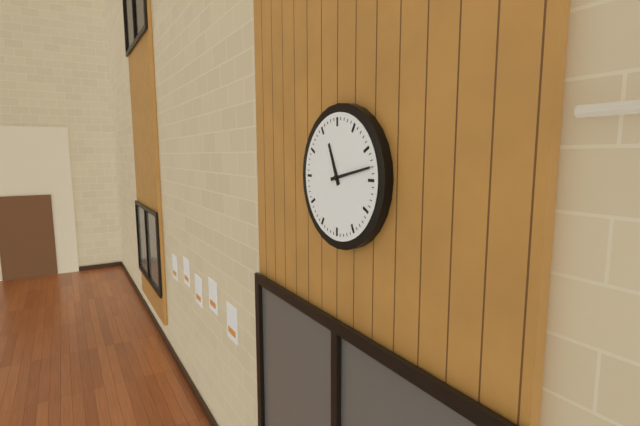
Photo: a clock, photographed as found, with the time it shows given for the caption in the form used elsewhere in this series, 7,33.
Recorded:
11,13
